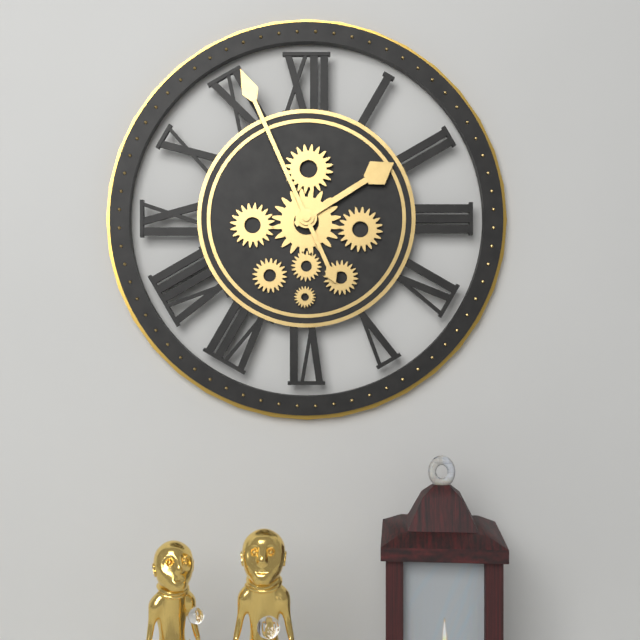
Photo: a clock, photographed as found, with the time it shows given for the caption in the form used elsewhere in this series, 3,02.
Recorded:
1,56
